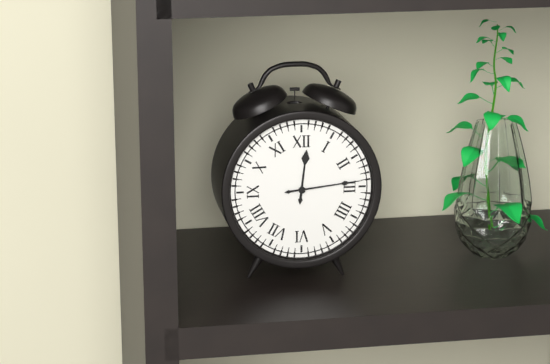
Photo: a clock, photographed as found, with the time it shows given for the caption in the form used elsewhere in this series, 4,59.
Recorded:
12,14
